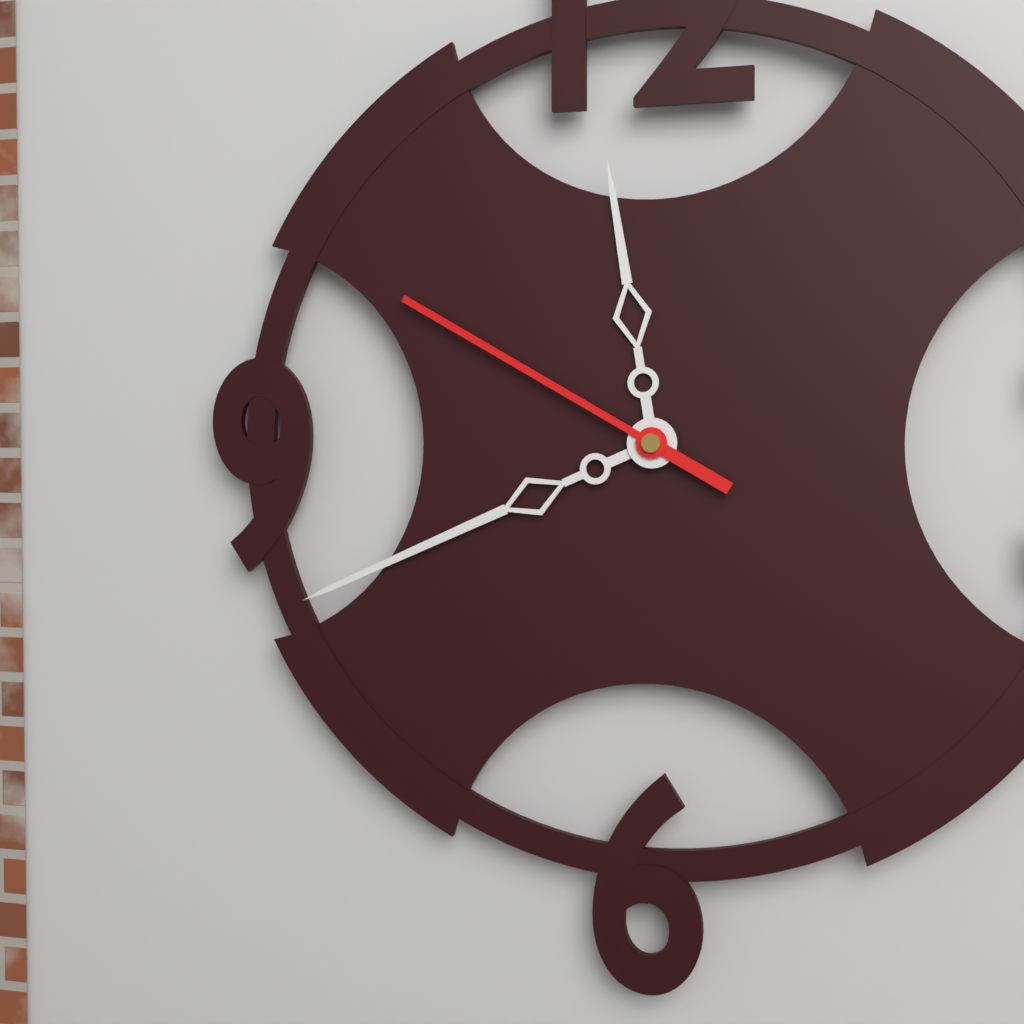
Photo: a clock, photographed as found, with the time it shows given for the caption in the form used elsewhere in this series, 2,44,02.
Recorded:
11,41,50
